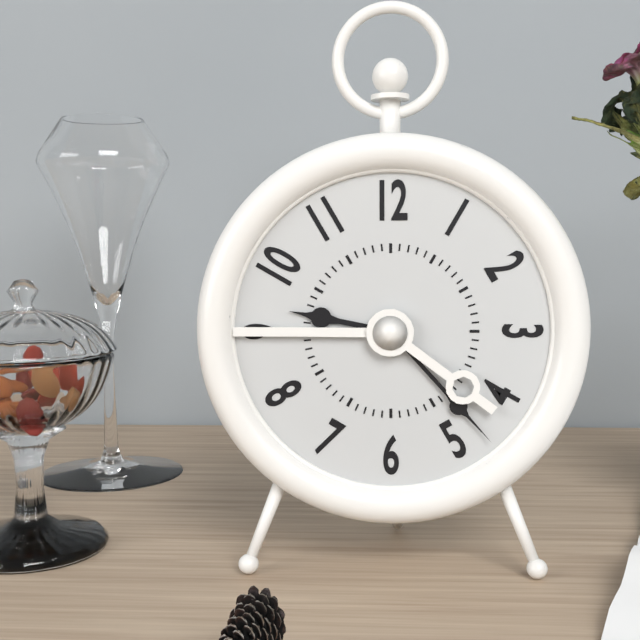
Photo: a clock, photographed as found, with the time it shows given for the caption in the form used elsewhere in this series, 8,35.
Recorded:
9,23
